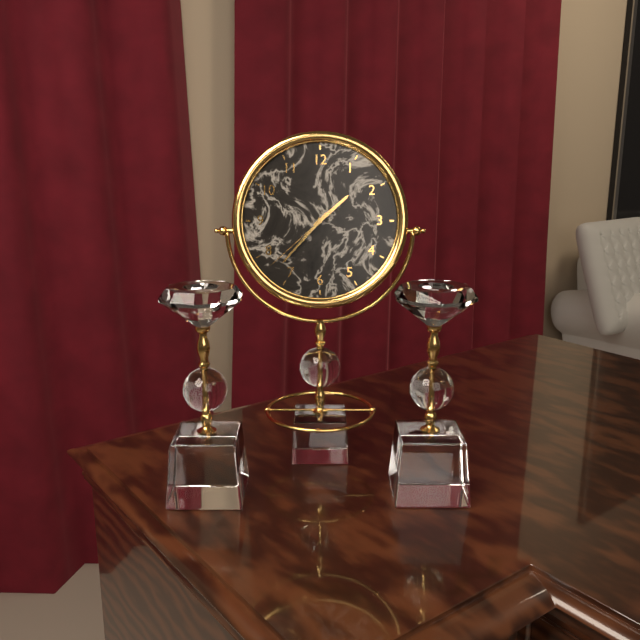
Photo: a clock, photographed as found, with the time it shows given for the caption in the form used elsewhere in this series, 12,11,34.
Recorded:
1,37,38
